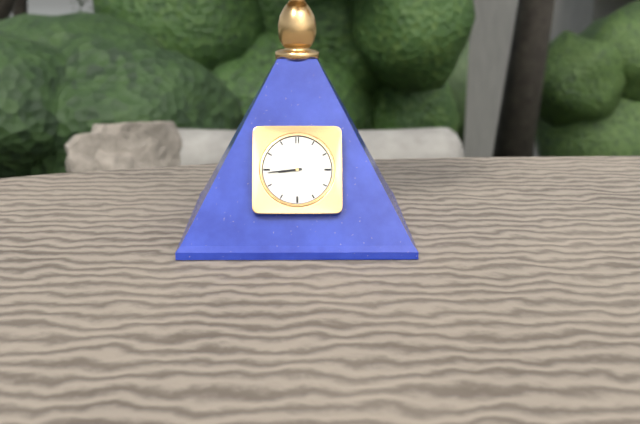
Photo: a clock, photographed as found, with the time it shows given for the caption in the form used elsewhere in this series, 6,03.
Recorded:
8,44
